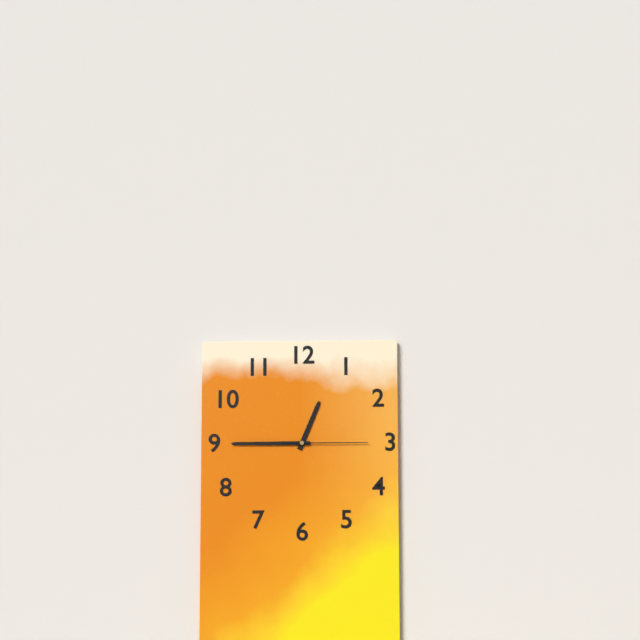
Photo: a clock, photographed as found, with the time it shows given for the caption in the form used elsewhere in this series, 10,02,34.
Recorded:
12,45,15
